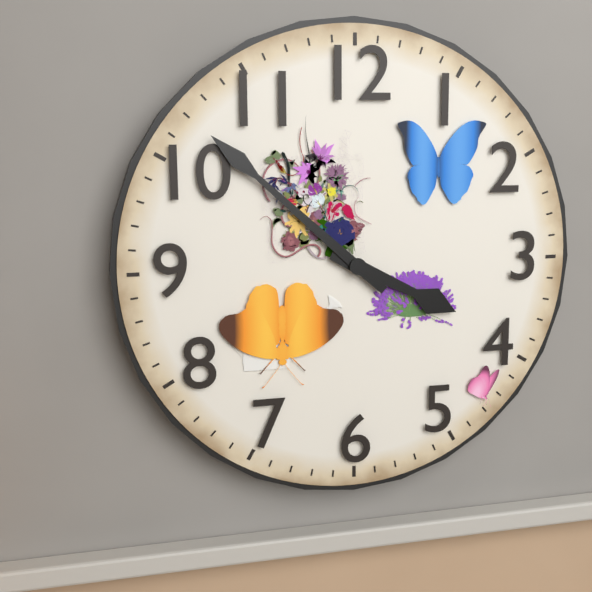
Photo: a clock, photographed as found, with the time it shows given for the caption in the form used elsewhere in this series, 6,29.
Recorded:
3,52
